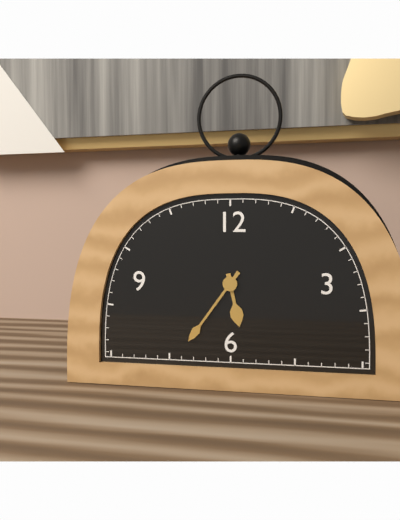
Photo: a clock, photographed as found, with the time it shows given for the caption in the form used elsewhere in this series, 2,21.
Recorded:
5,36
